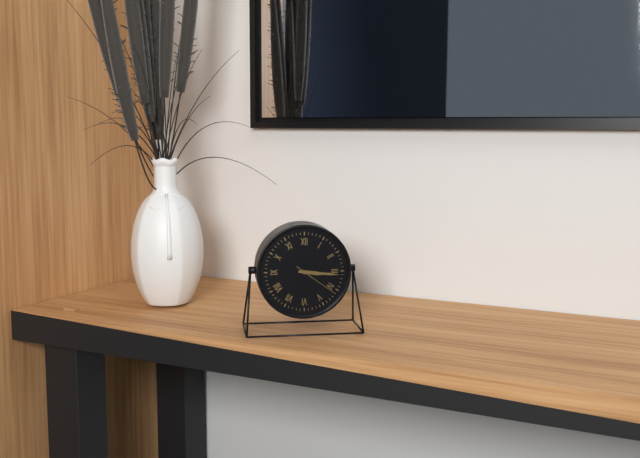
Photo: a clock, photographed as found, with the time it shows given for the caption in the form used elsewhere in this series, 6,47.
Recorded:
3,16
